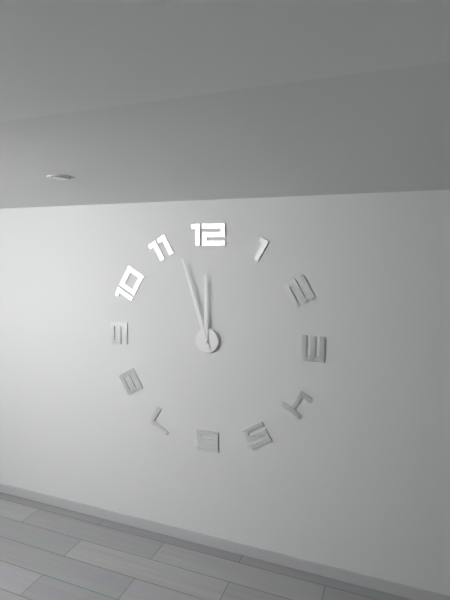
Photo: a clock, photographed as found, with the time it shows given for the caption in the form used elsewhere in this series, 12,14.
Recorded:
11,57
